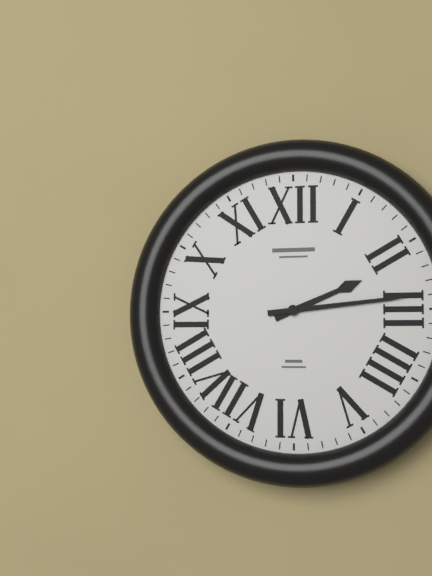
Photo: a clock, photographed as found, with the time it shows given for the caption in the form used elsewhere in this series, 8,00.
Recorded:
2,14
